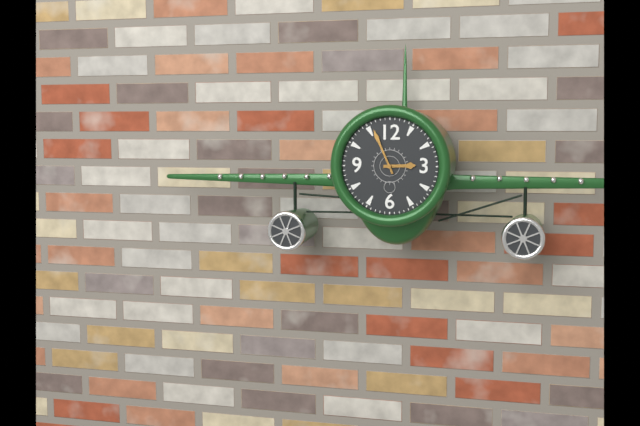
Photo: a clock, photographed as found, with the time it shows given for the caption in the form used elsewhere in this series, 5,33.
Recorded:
2,56
